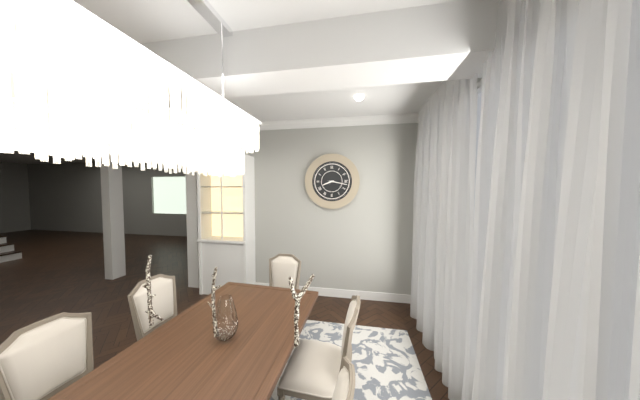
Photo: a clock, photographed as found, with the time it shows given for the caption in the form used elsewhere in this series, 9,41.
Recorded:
8,17
